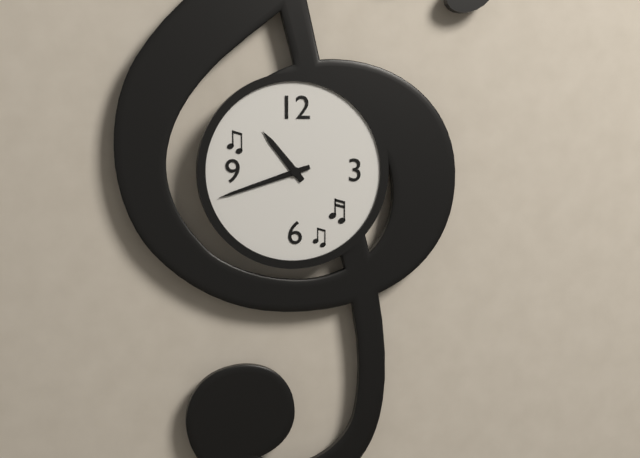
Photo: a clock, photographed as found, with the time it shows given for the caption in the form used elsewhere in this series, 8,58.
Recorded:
10,42
